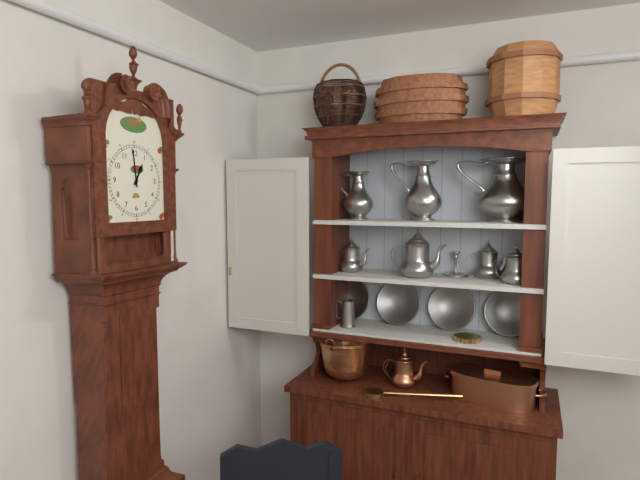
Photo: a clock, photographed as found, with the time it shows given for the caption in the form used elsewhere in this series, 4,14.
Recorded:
12,59
